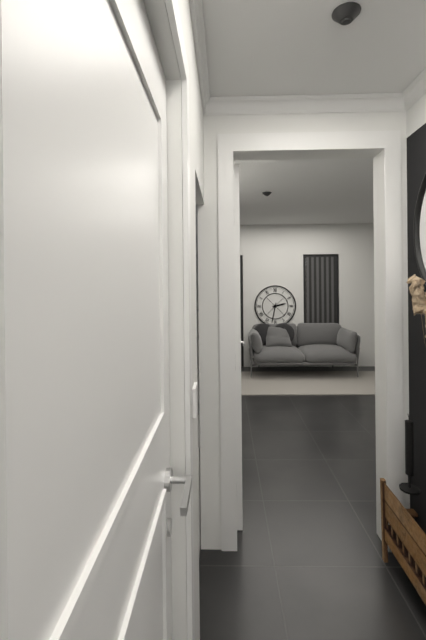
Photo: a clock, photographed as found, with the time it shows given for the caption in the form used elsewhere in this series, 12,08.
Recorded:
2,32
